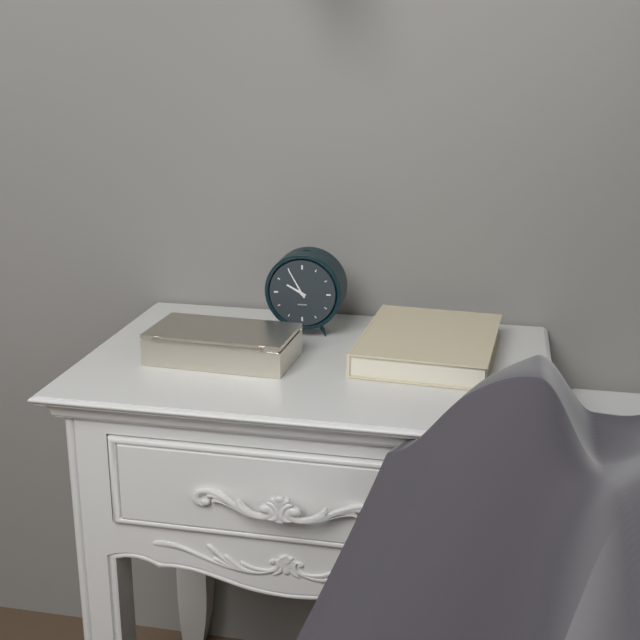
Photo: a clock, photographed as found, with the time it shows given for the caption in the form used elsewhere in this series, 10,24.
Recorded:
9,55
